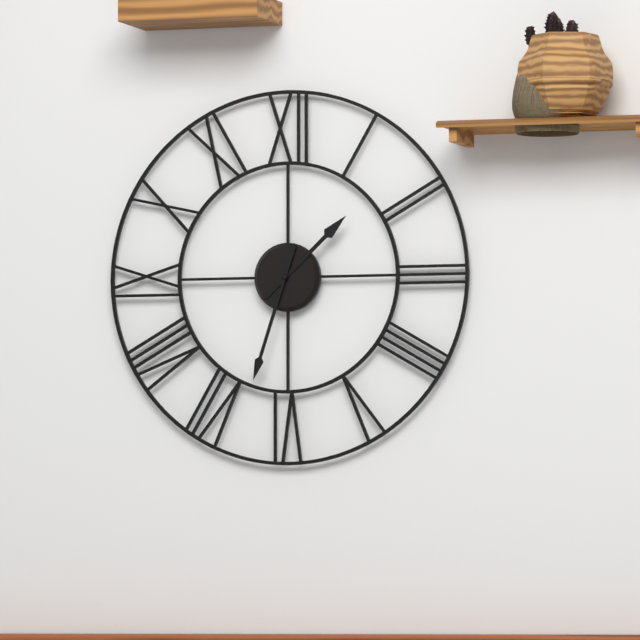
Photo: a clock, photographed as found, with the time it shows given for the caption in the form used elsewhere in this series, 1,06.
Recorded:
1,33
